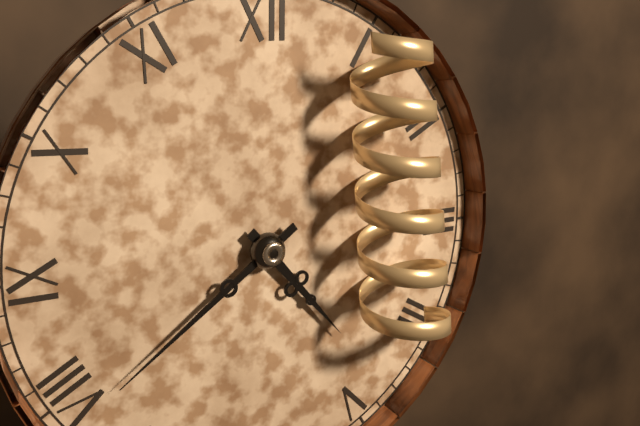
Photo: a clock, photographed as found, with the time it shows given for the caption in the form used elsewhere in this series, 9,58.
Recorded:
4,39
